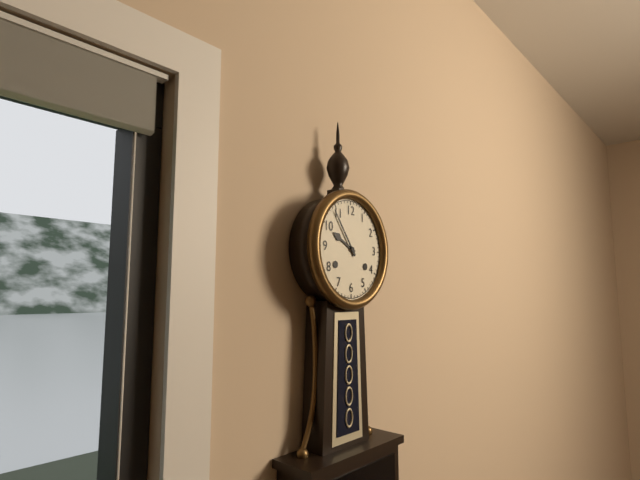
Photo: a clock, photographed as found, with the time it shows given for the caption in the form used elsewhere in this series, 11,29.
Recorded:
9,54
